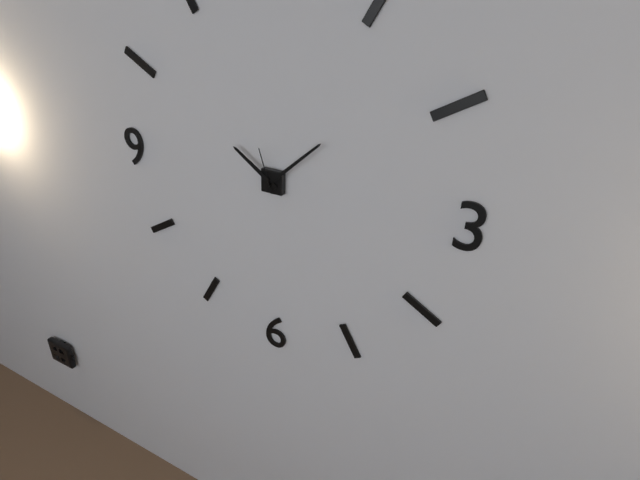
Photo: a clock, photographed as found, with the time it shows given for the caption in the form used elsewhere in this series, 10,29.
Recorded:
10,08
